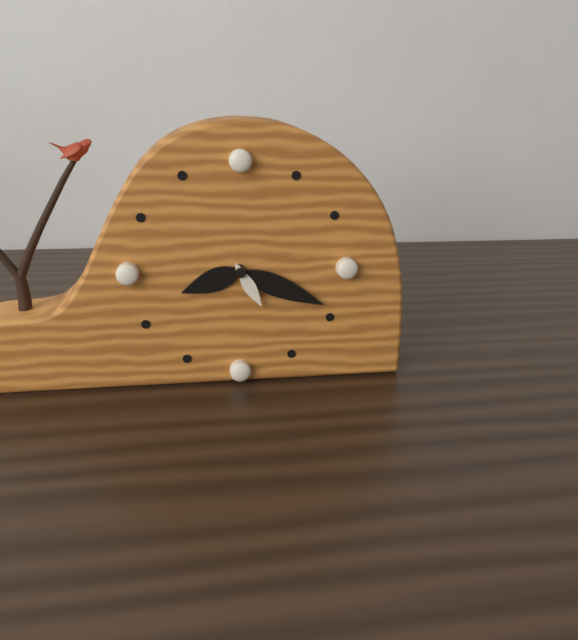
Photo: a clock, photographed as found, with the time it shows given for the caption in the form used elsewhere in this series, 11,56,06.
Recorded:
8,19,25
